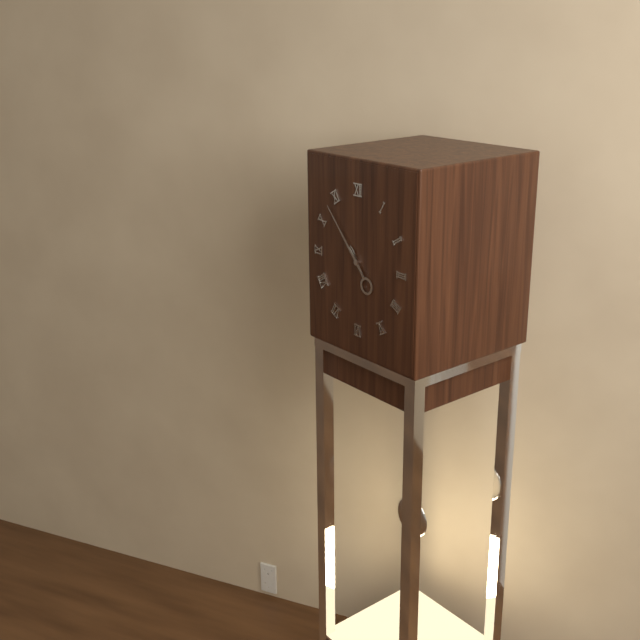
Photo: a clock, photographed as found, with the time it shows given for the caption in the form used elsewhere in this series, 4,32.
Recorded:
4,53
